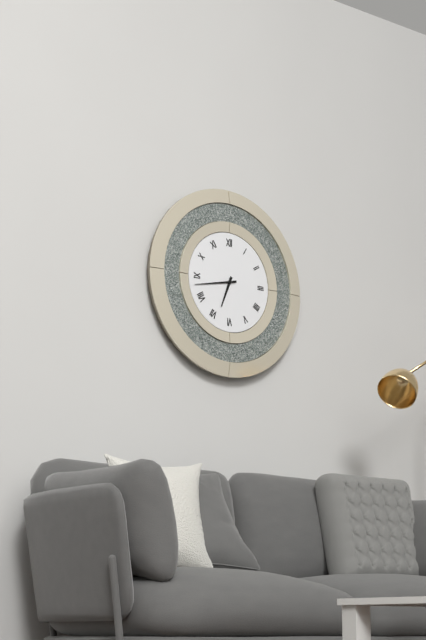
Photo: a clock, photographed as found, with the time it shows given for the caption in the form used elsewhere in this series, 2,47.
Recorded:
6,43
